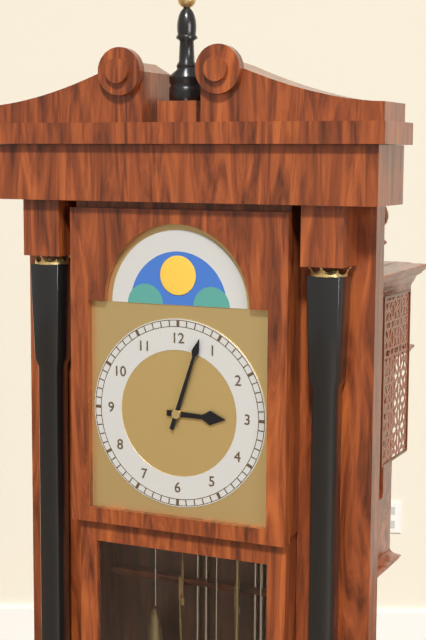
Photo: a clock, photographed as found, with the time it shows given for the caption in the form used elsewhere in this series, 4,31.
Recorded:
3,03
